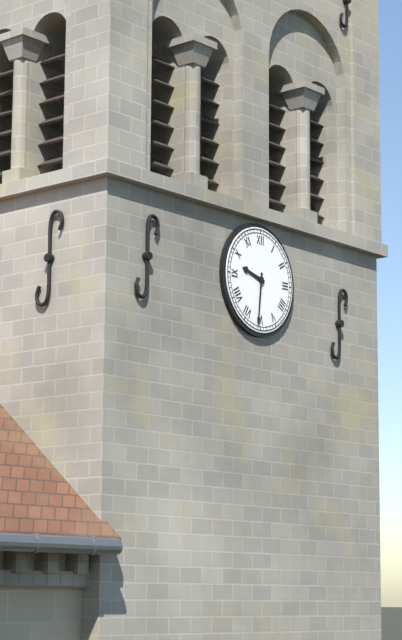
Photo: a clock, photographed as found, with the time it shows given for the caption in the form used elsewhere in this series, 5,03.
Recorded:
9,31
